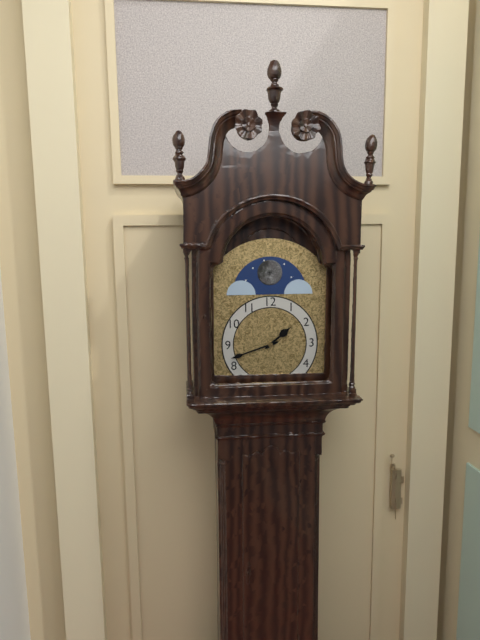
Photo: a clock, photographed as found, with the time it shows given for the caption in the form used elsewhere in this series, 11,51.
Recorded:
1,42
